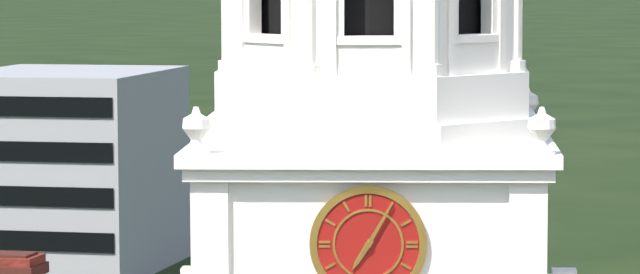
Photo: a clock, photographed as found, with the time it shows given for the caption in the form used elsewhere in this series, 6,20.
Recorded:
7,05
